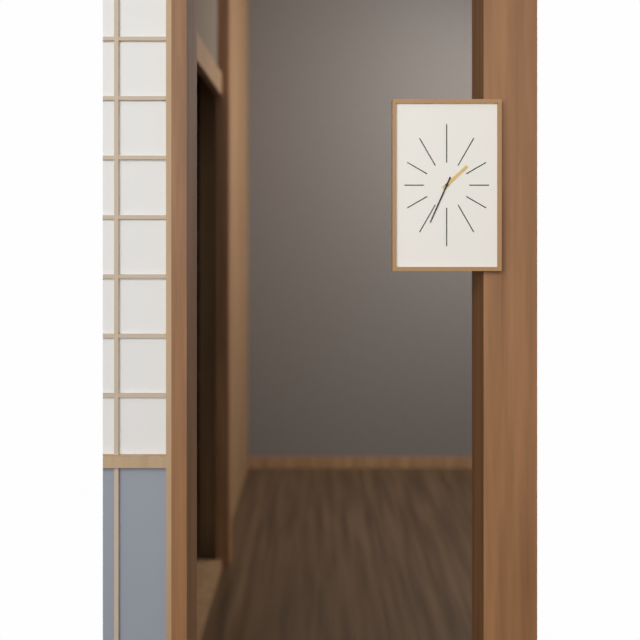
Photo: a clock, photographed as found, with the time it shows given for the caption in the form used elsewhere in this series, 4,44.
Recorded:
1,34
